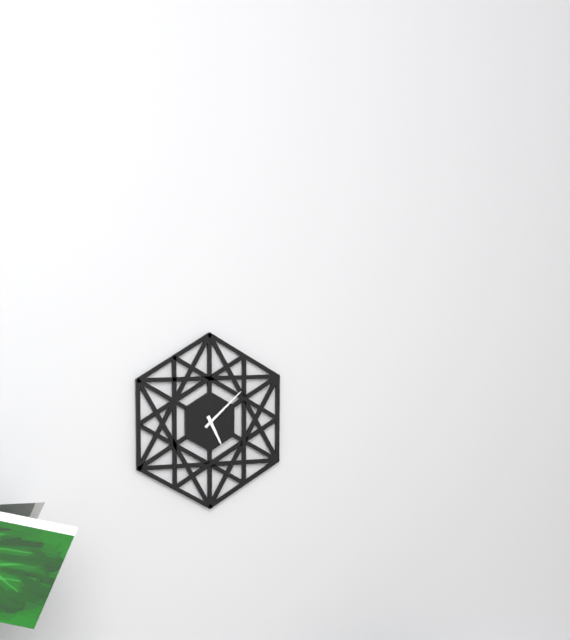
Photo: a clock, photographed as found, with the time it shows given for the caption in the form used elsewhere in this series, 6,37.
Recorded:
5,08
